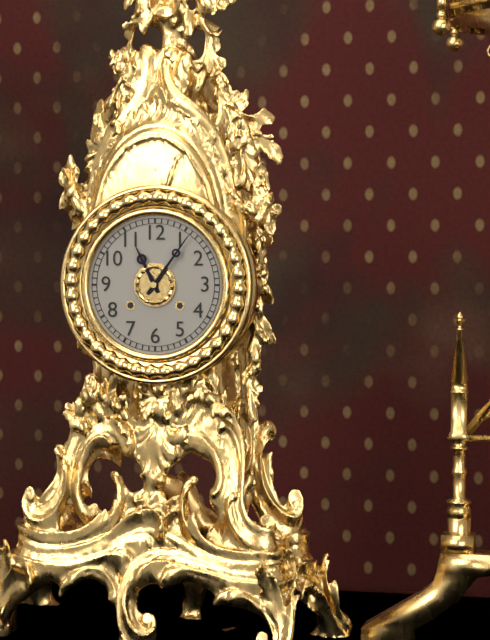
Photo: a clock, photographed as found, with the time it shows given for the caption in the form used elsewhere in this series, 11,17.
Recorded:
11,06
